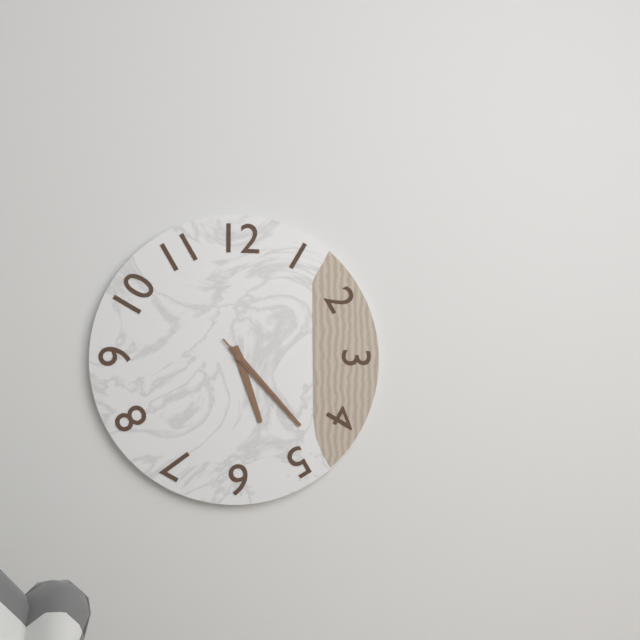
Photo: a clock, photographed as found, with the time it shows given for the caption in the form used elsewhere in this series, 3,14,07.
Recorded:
5,23,23
